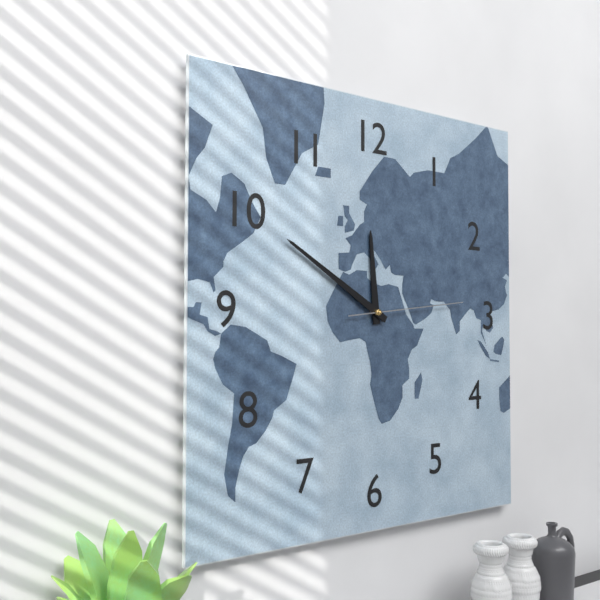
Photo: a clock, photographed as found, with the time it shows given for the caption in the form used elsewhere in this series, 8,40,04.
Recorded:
11,50,14
